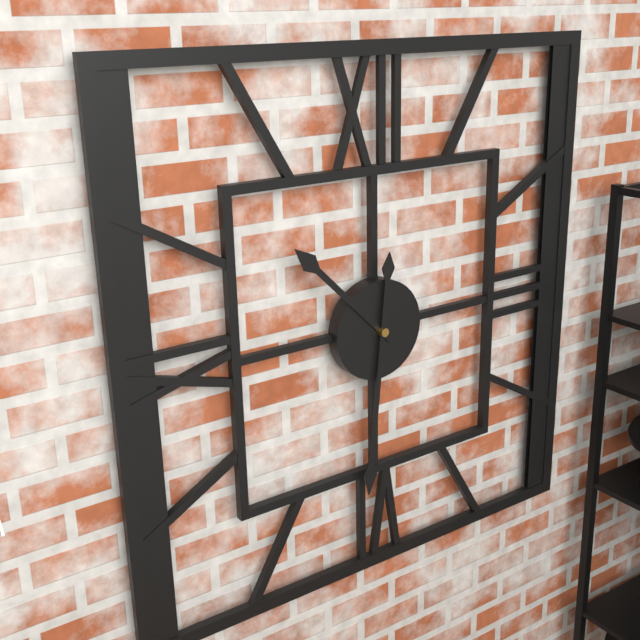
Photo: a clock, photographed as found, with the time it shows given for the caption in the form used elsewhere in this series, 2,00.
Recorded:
10,31
